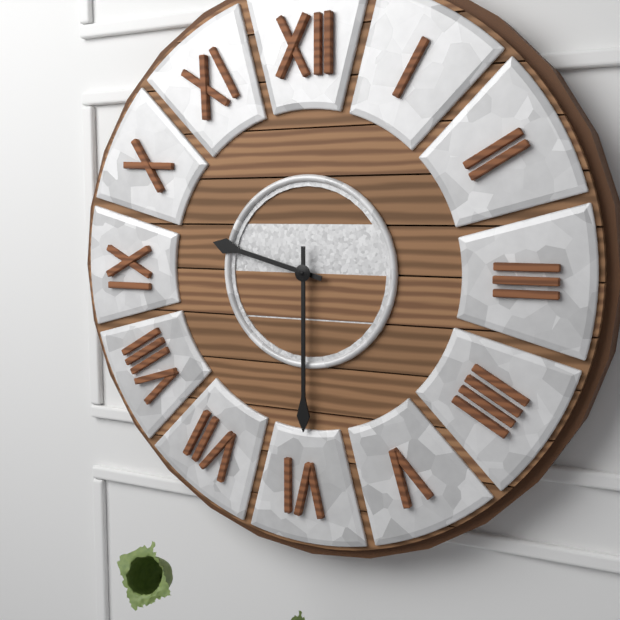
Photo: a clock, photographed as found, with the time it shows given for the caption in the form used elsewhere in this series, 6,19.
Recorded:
9,30
